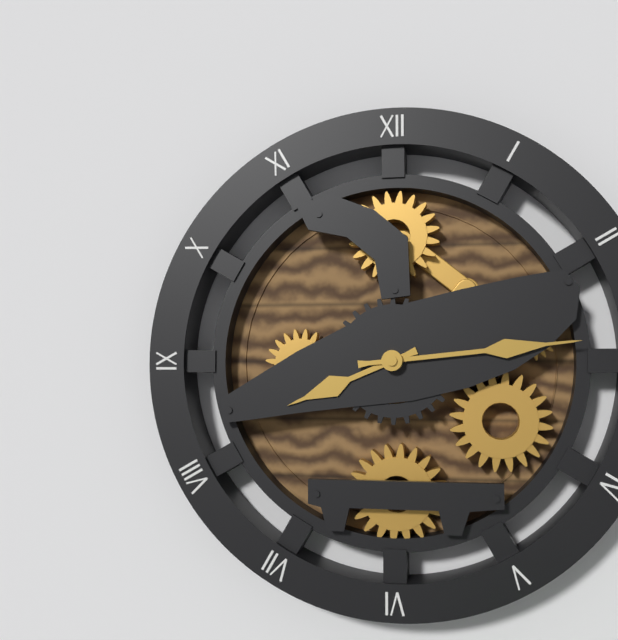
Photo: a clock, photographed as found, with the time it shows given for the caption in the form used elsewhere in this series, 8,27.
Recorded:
8,14
